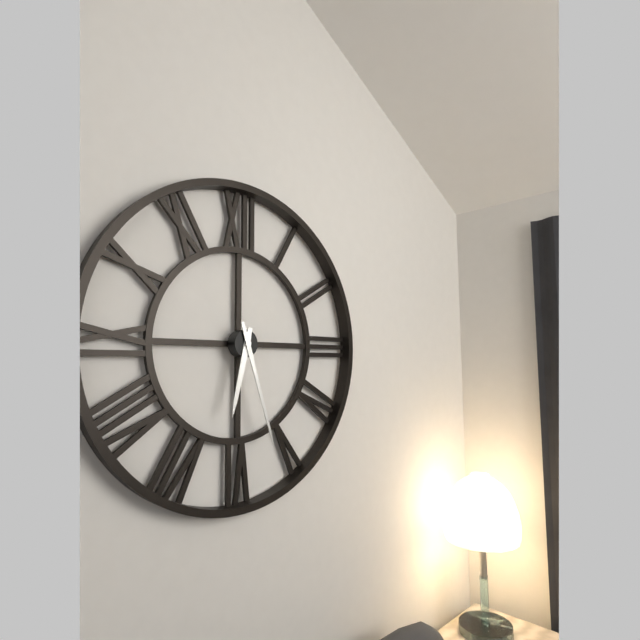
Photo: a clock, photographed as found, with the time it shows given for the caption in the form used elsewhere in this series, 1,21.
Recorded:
6,27
